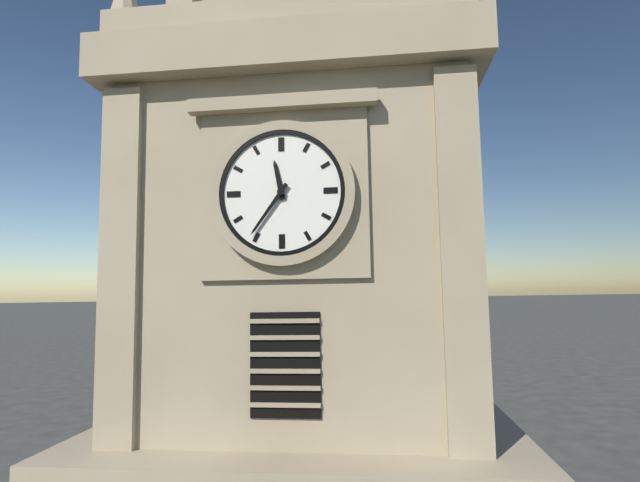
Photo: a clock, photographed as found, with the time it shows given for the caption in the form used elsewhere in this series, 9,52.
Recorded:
11,36
